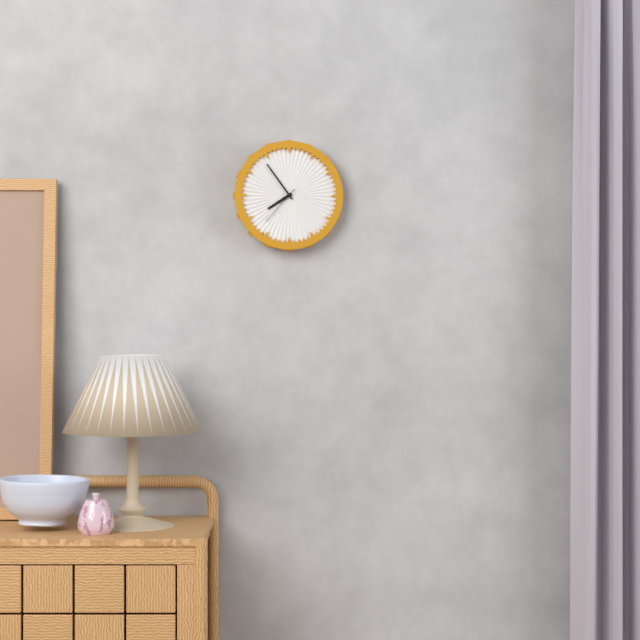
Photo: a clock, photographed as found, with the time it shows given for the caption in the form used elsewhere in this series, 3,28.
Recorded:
7,54
